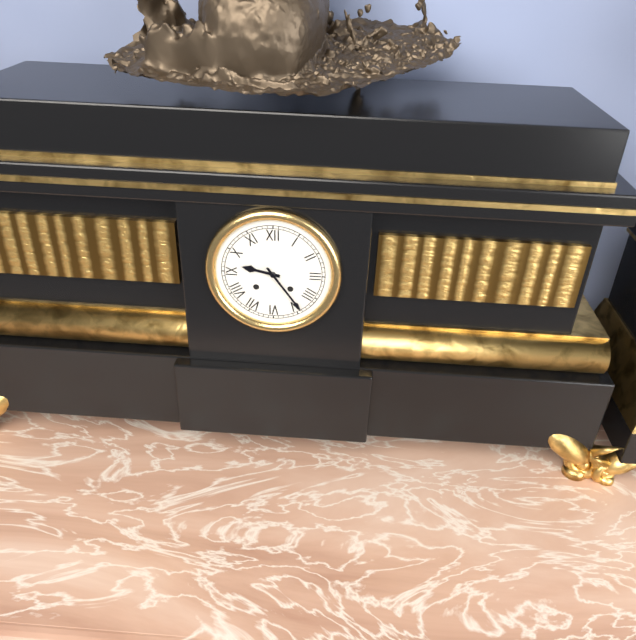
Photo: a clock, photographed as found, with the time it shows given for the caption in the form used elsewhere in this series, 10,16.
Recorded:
9,24
